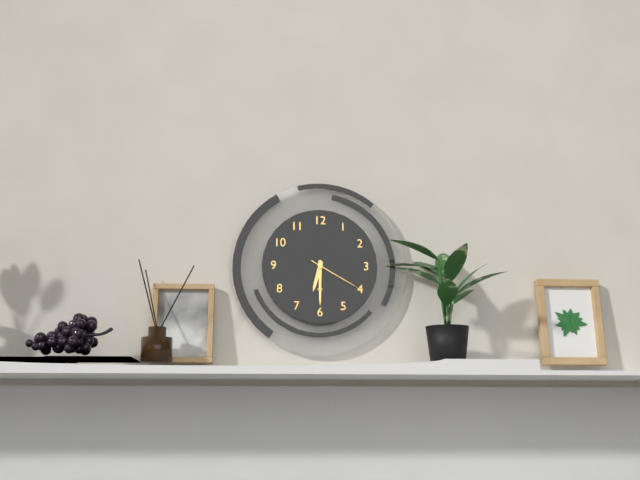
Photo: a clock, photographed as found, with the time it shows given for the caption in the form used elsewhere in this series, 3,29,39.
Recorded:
6,30,20
